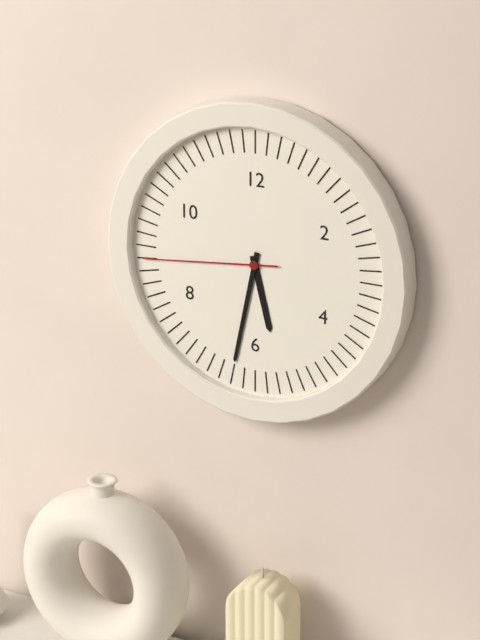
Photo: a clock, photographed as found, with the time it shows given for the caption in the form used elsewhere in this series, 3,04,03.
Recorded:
5,32,44
